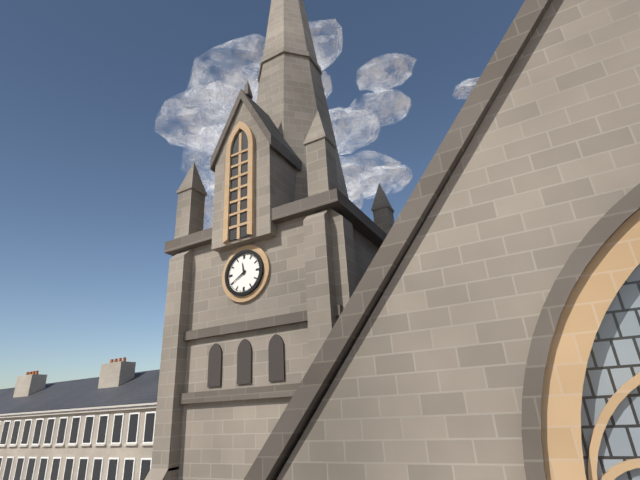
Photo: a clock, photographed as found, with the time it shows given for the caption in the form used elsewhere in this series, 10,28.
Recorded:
11,40
